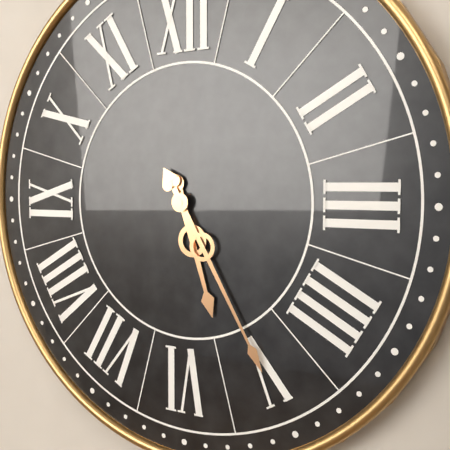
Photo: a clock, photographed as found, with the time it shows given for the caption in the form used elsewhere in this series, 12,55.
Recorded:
5,25
